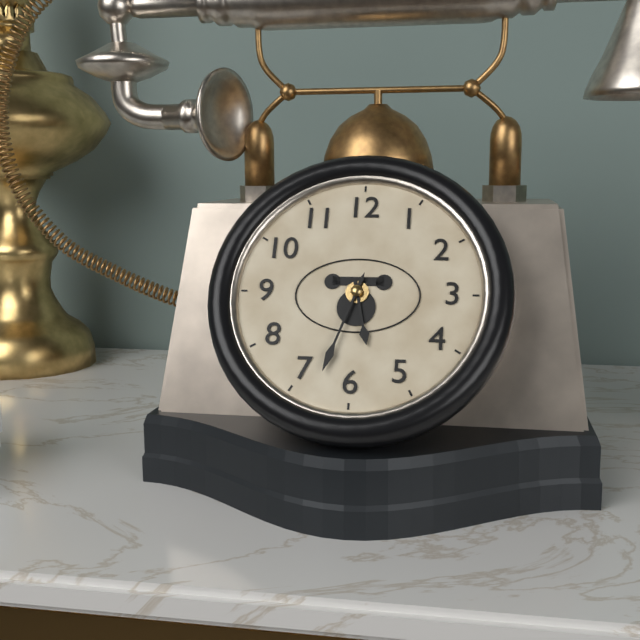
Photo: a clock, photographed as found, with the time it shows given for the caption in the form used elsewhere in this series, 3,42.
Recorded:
5,33
